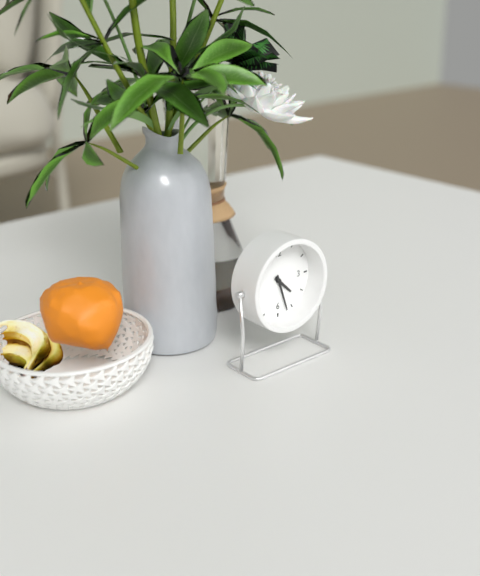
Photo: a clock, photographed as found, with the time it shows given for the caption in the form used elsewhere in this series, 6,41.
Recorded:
4,27
